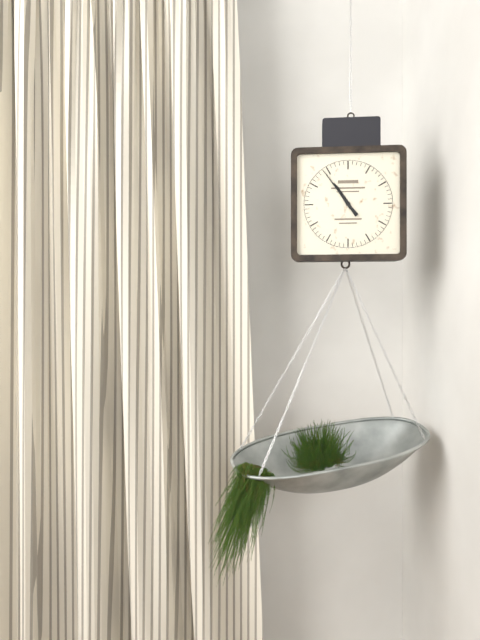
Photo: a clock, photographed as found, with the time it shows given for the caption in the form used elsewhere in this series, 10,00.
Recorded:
10,54
